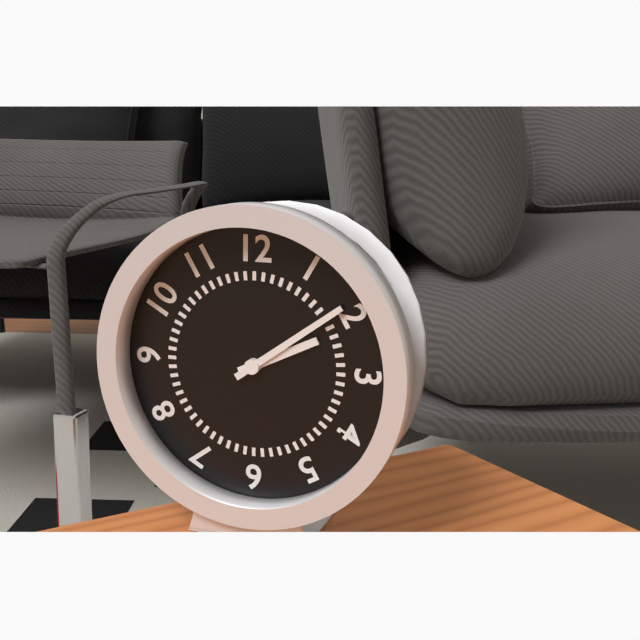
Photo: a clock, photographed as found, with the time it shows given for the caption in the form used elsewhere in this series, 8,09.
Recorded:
2,09
